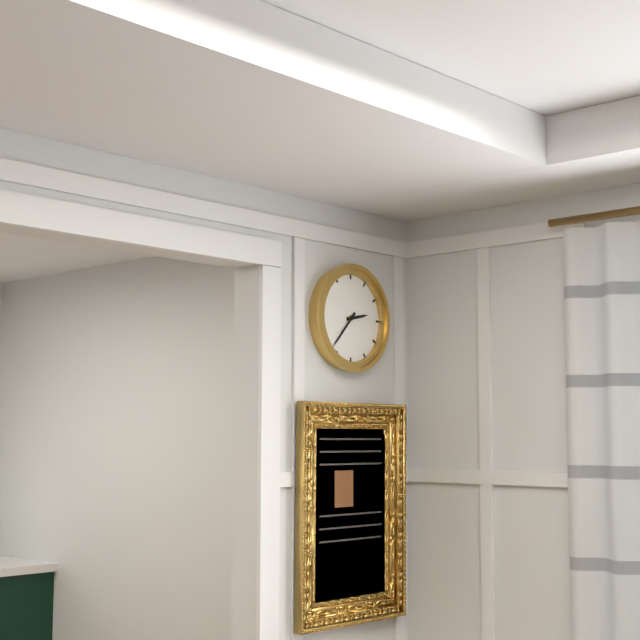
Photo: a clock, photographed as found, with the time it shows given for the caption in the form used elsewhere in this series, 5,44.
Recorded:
2,37
